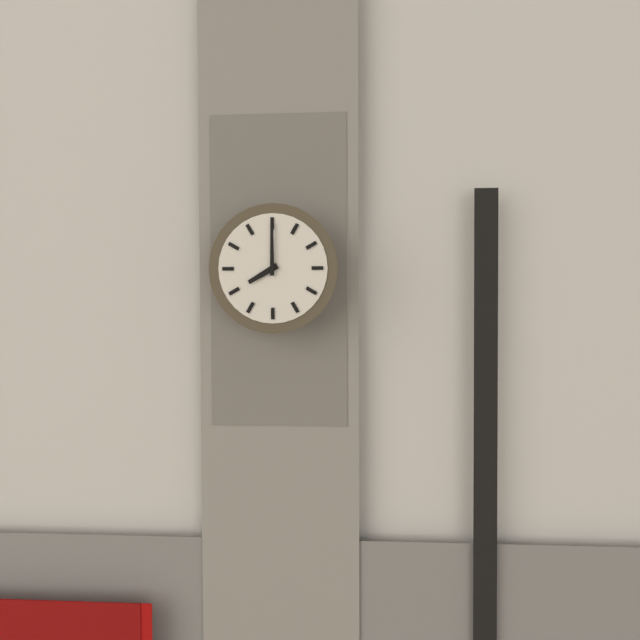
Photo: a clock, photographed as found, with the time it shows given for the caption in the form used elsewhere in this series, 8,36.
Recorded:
8,00
